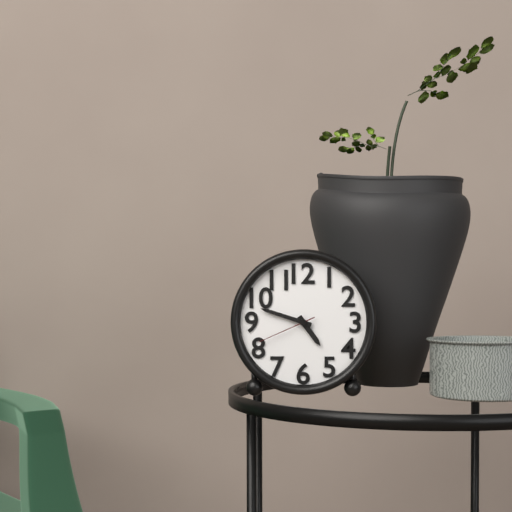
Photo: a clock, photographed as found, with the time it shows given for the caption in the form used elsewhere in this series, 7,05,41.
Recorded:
4,48,41
